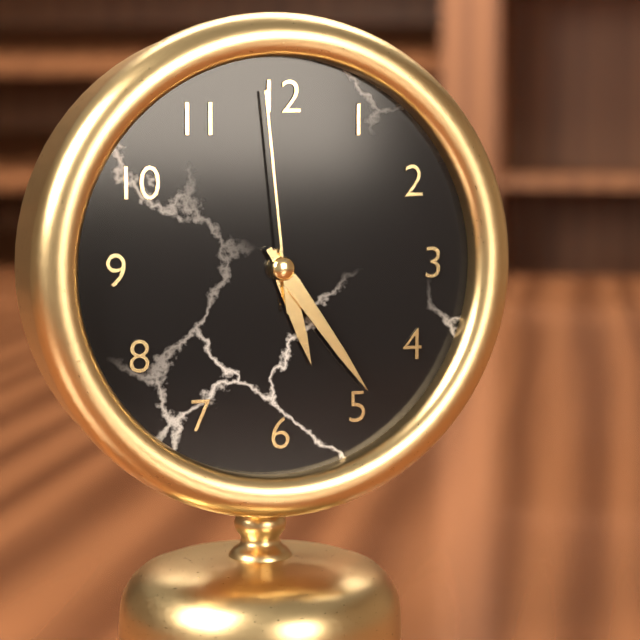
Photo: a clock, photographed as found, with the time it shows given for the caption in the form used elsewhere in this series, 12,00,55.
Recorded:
5,24,59
